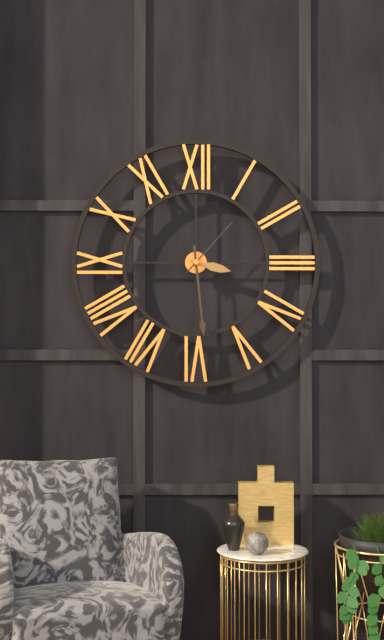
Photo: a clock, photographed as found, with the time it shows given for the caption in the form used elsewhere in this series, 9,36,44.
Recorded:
3,29,07
